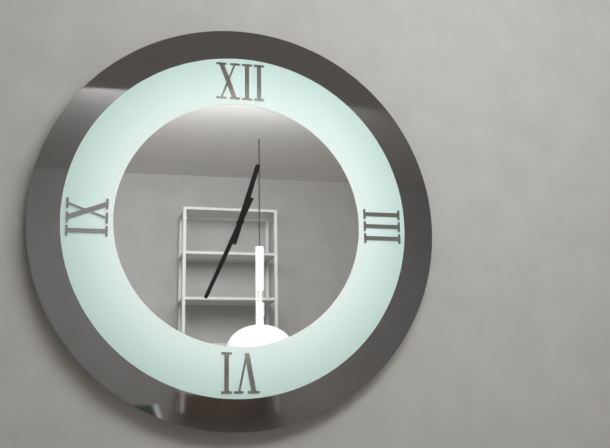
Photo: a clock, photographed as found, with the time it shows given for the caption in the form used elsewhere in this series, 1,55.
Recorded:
12,34
